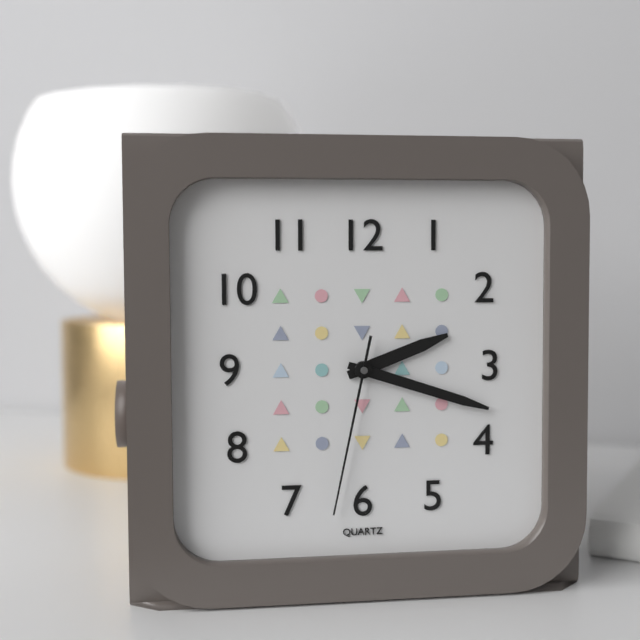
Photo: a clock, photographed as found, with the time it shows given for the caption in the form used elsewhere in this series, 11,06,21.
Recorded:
2,18,32
